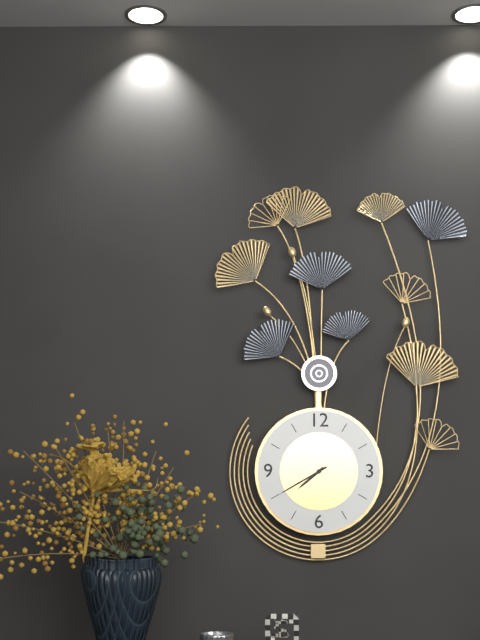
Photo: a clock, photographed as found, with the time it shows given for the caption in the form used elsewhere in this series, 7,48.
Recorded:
7,40
